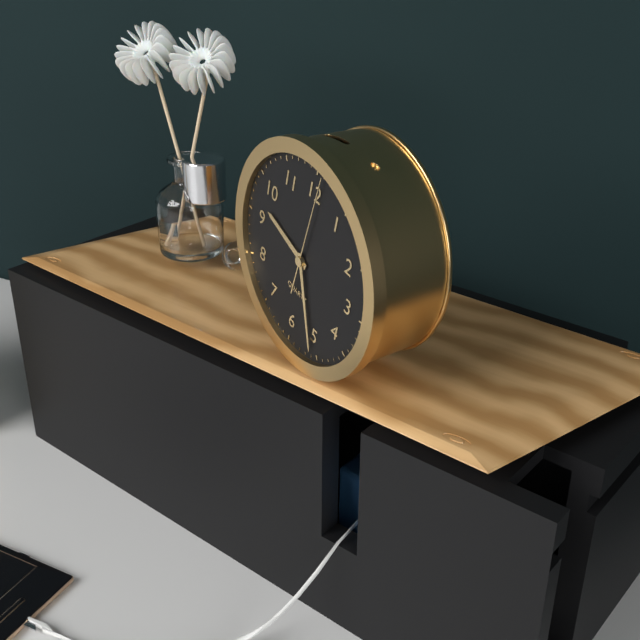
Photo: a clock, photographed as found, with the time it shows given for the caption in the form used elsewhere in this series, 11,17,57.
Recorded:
9,26,01
